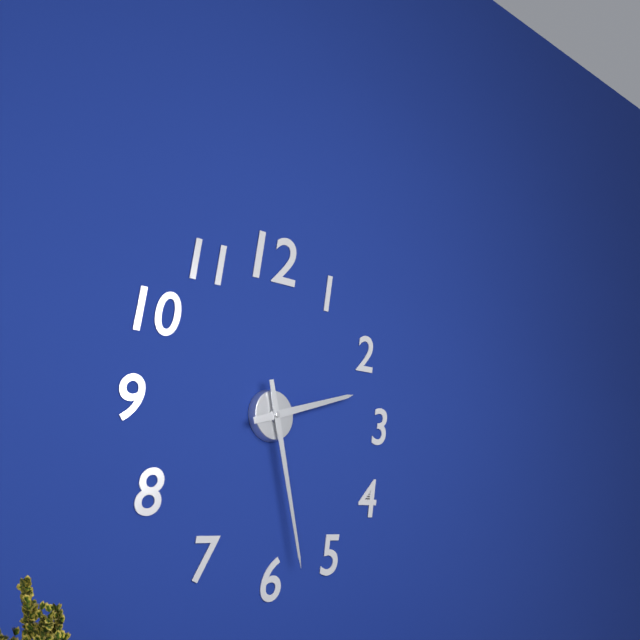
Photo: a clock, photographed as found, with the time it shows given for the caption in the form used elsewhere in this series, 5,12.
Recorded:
2,28
